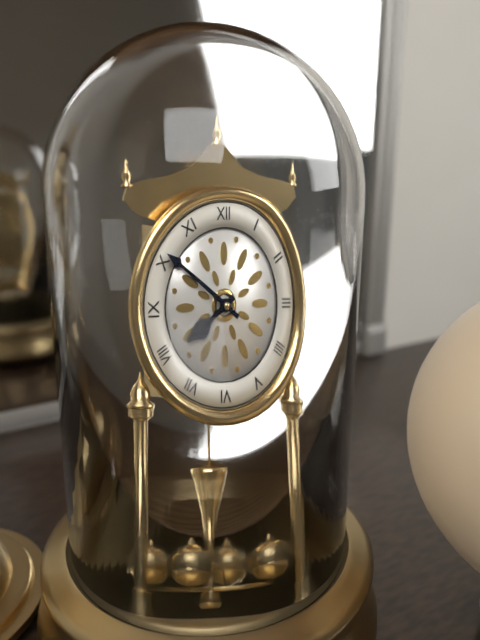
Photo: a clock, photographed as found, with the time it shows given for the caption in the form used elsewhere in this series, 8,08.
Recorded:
7,51
